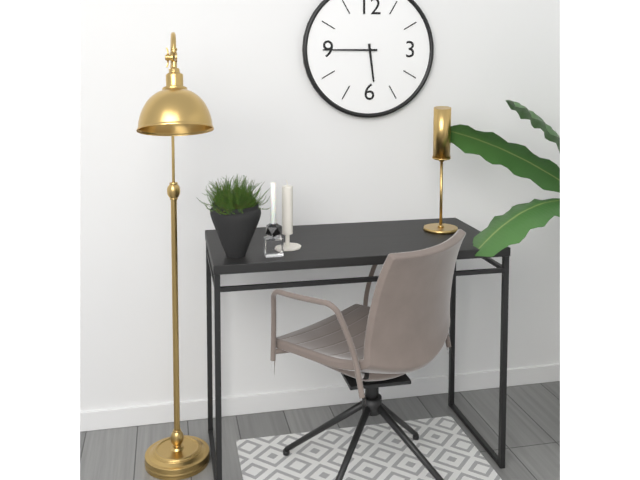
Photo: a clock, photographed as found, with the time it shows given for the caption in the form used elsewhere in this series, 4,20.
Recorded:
5,45
